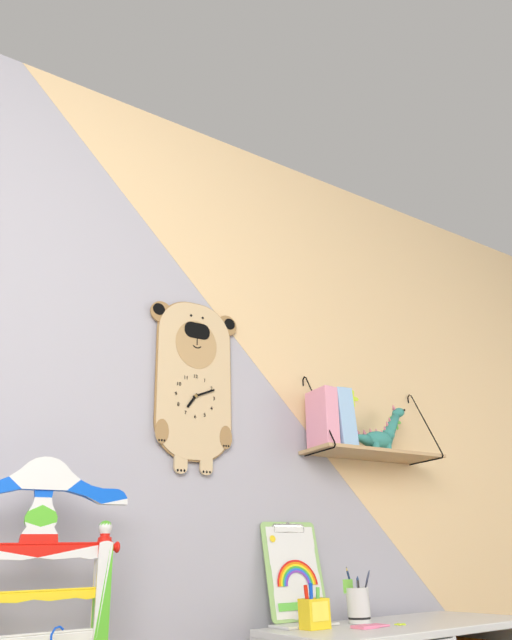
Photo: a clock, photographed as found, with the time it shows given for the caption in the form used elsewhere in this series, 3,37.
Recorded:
7,11
